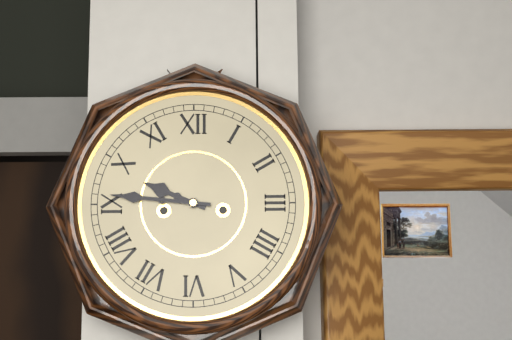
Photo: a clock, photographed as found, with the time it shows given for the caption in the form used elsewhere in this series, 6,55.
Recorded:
9,46
